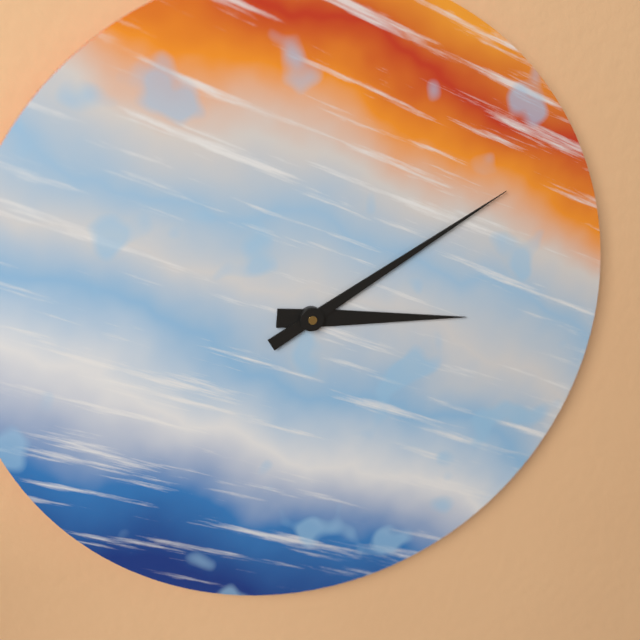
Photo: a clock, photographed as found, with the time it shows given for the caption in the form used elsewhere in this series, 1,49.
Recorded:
3,10
